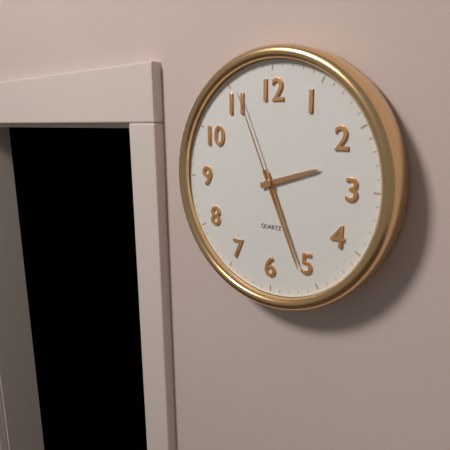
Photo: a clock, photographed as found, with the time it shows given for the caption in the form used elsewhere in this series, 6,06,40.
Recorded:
2,26,56
